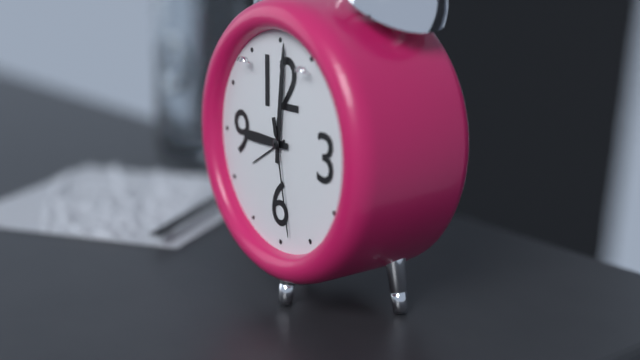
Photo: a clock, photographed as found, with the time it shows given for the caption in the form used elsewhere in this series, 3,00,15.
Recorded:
9,01,28
